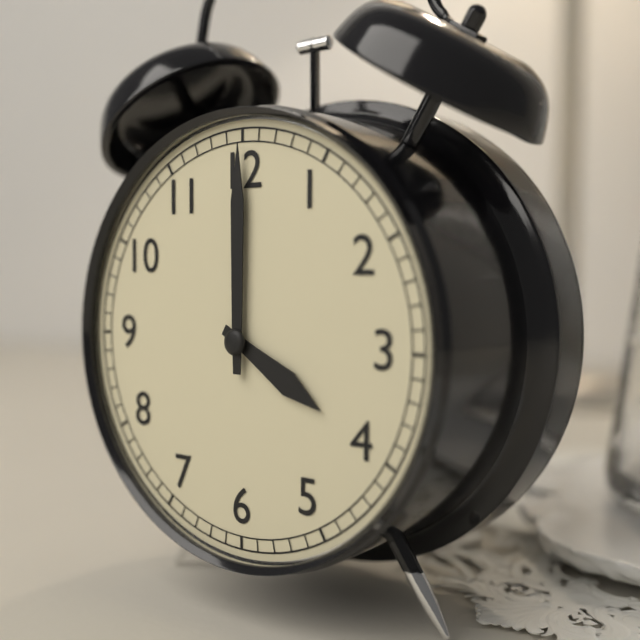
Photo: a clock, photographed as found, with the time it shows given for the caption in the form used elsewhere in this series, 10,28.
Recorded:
4,00
